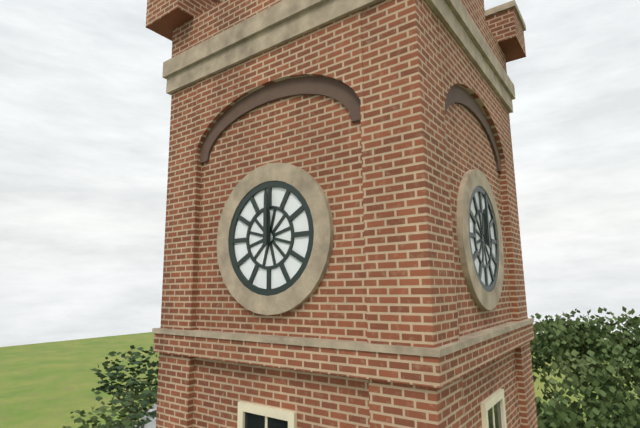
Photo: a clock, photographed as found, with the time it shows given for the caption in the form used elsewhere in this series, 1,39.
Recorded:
12,00
